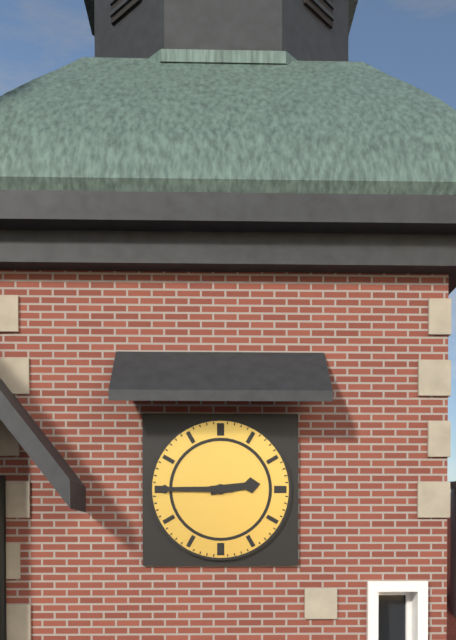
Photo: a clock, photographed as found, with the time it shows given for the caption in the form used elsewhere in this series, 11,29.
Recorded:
2,45
